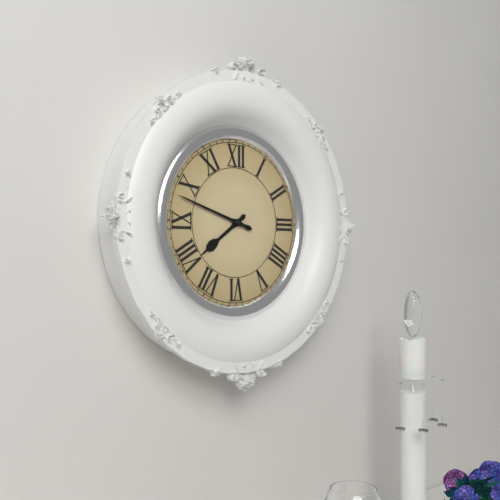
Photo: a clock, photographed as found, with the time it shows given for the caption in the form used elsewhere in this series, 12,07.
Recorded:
7,48
